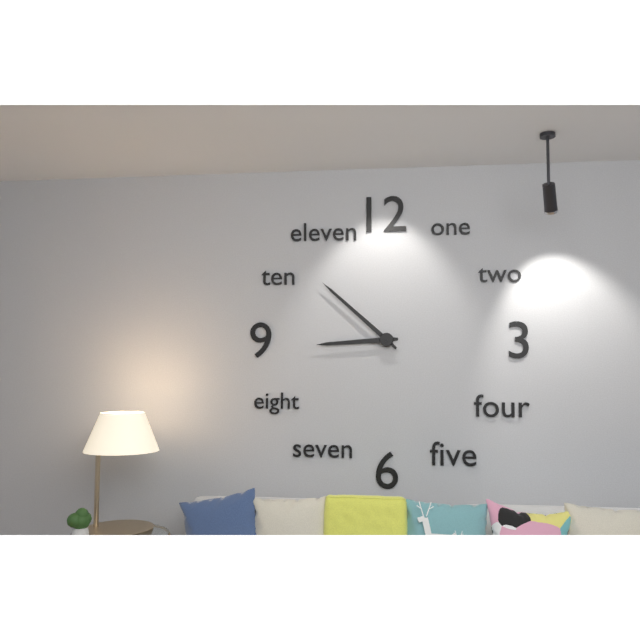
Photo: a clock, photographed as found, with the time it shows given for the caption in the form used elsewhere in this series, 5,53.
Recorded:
8,52
